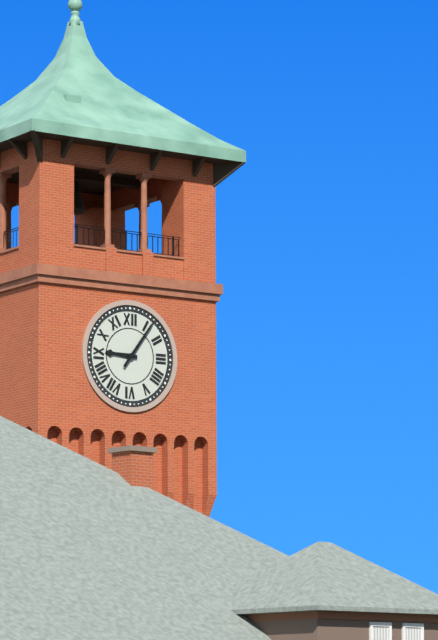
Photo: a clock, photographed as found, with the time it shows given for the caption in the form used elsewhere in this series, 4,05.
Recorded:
9,06
